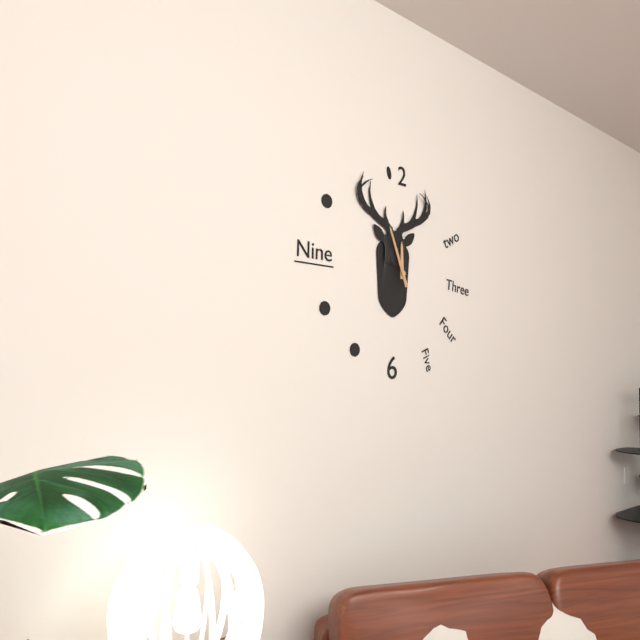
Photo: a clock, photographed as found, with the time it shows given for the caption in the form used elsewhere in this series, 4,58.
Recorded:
11,56
